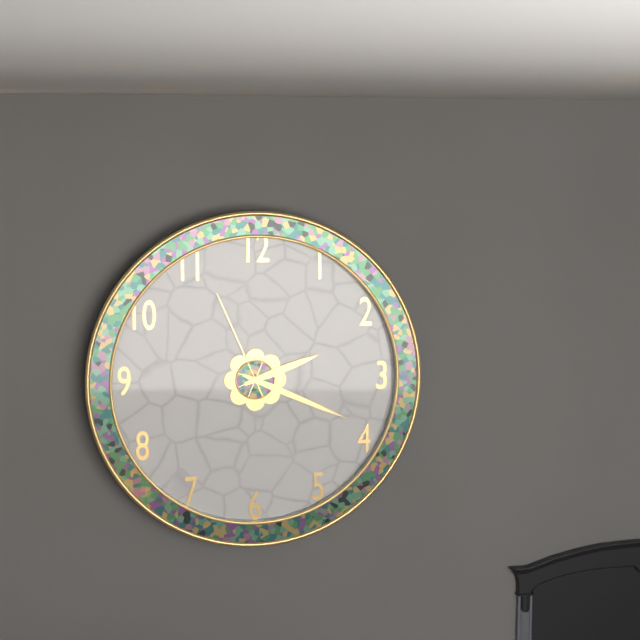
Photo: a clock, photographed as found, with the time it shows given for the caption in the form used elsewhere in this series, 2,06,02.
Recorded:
2,19,56
